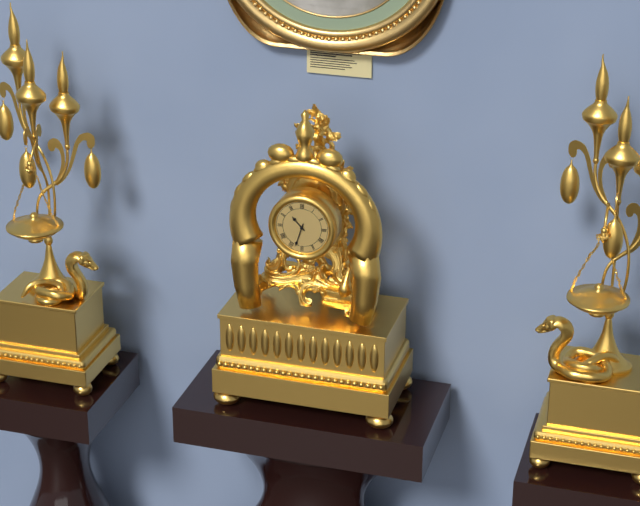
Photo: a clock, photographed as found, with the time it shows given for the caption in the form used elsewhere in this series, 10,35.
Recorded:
10,33
